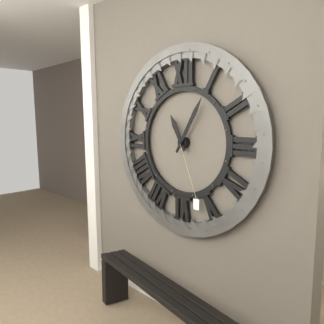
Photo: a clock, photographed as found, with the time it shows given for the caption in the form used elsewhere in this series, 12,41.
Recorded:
11,05
